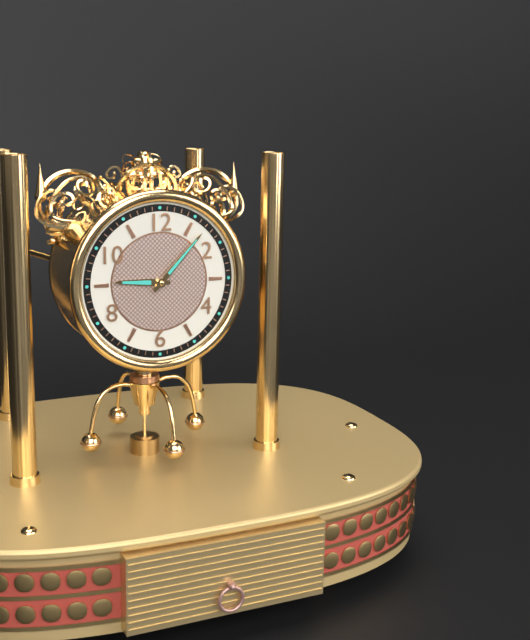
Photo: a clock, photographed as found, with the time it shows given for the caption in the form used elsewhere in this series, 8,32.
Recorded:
9,07
